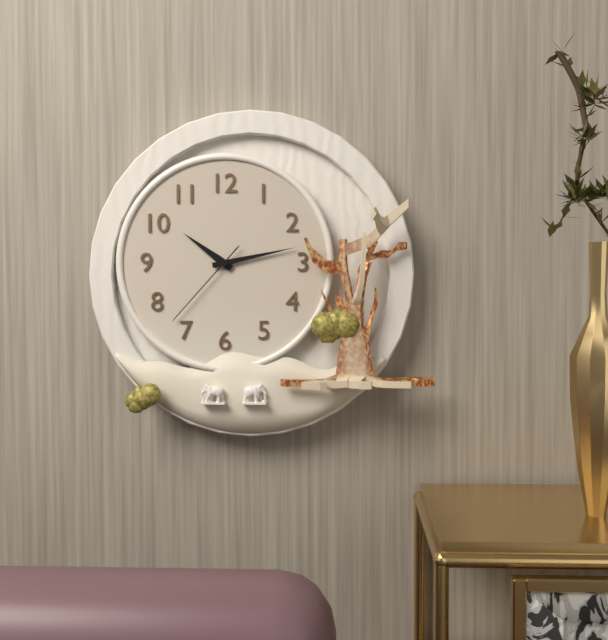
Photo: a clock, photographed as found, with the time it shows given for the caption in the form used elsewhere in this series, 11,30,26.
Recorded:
10,13,37
